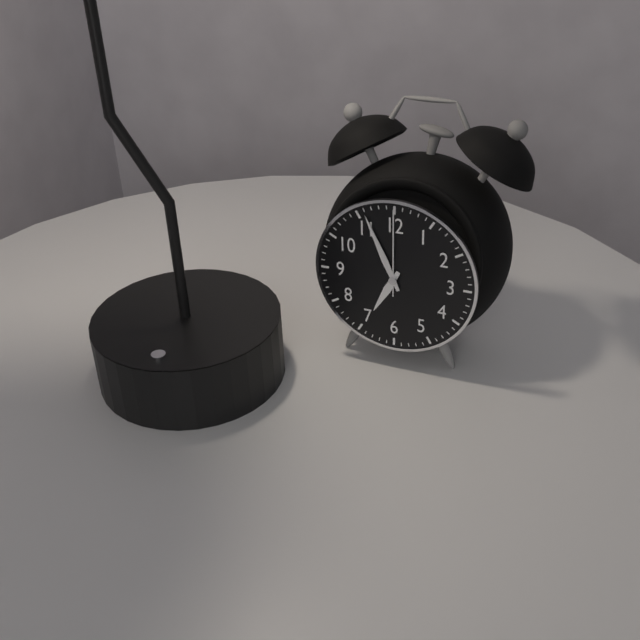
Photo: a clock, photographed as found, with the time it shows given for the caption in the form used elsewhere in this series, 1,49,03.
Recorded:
6,56,00
